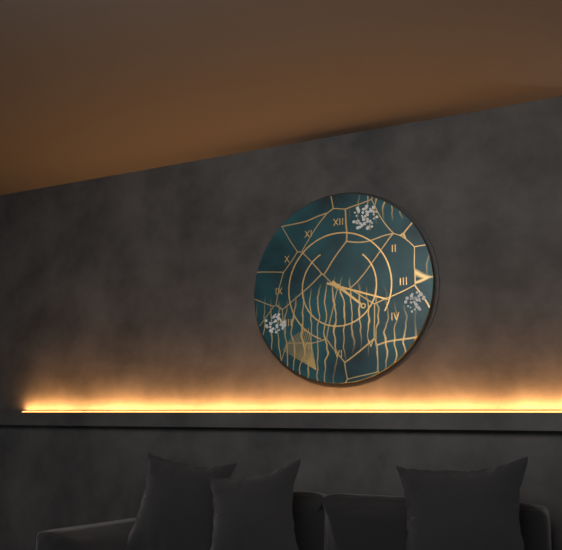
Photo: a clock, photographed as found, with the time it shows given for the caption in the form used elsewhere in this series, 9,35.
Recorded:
4,18
